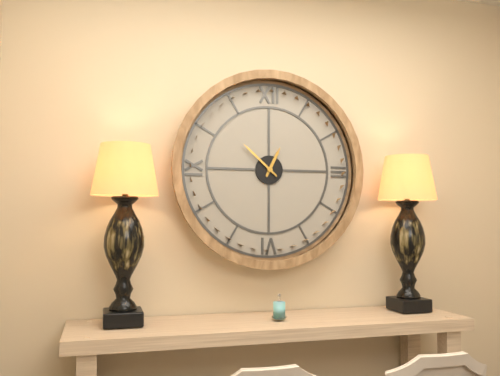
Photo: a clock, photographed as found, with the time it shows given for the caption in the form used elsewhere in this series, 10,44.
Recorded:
12,52
